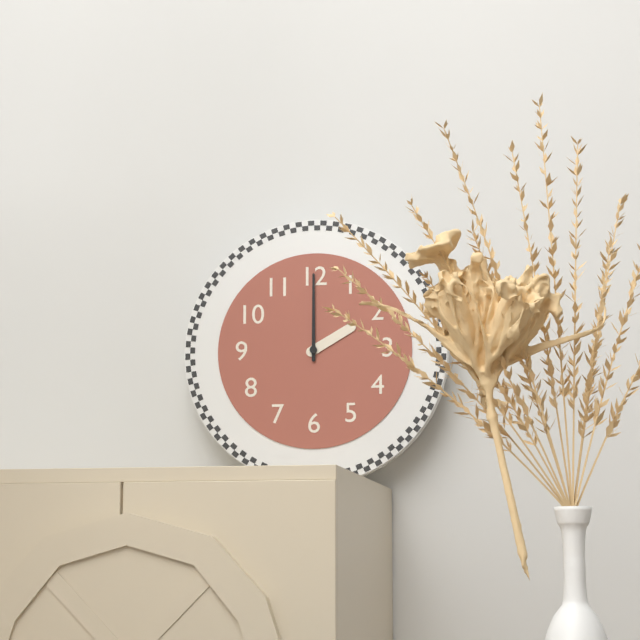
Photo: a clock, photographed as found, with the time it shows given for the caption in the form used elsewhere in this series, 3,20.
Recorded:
2,00
